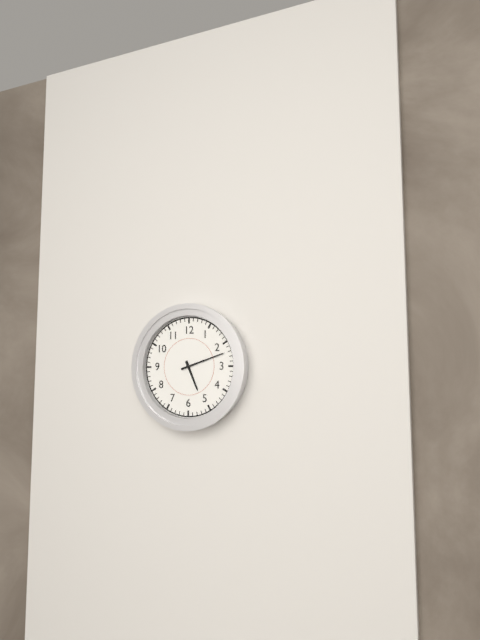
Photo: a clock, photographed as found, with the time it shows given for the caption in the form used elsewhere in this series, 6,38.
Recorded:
5,12
